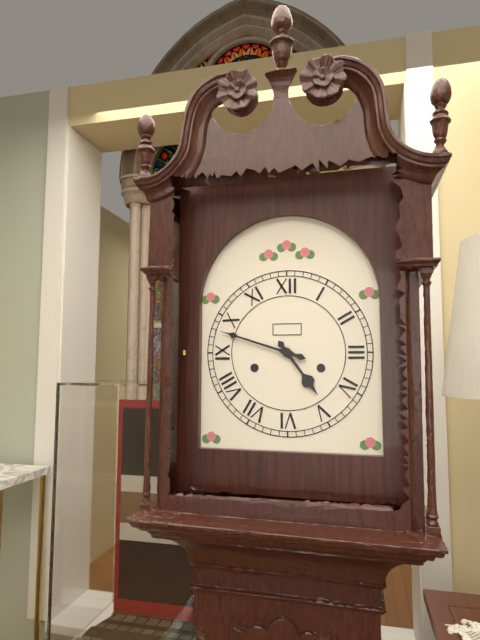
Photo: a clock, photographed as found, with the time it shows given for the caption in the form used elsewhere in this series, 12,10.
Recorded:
4,48
